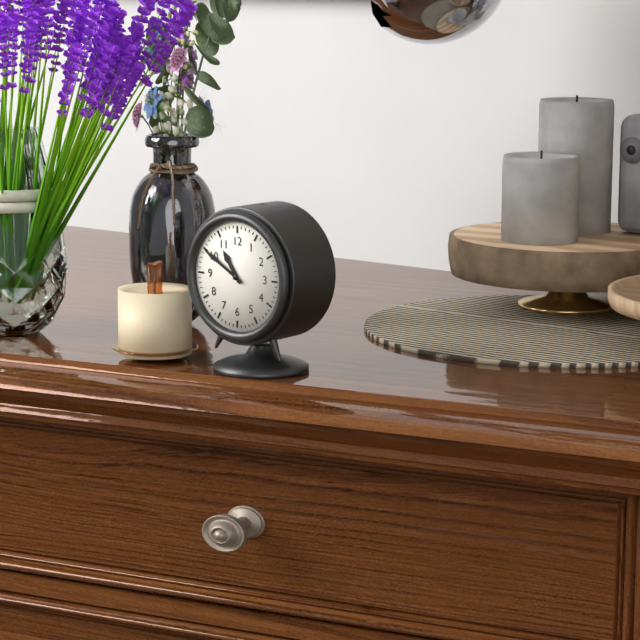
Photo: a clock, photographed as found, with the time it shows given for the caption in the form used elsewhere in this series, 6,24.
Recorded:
10,50
